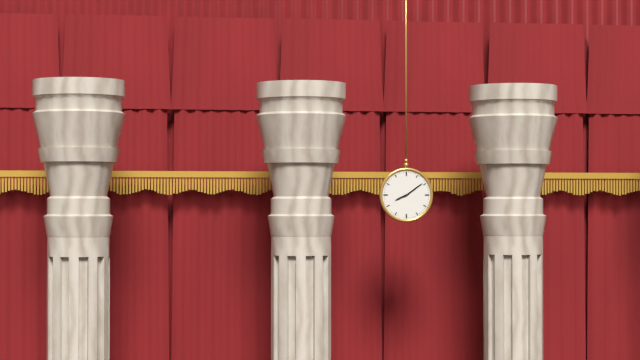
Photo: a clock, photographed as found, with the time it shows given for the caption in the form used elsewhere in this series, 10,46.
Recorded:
8,09
